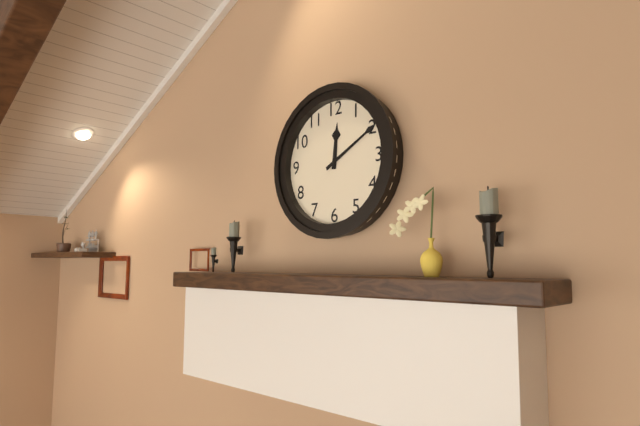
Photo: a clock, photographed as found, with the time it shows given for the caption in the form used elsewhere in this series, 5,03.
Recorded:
12,10
